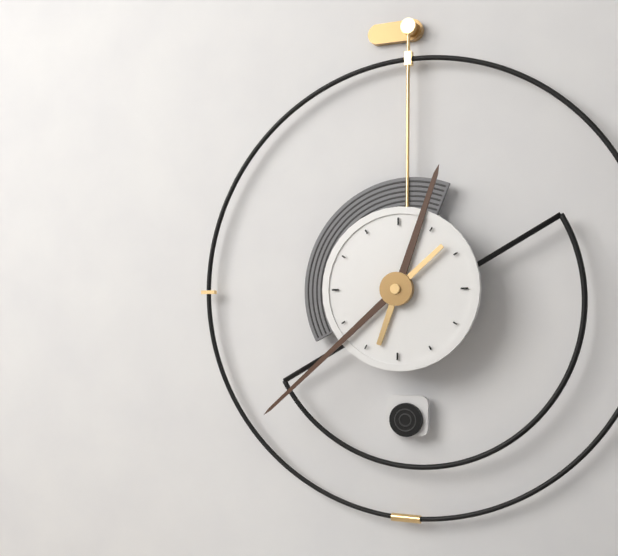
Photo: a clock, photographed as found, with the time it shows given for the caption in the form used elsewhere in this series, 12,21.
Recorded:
12,38
